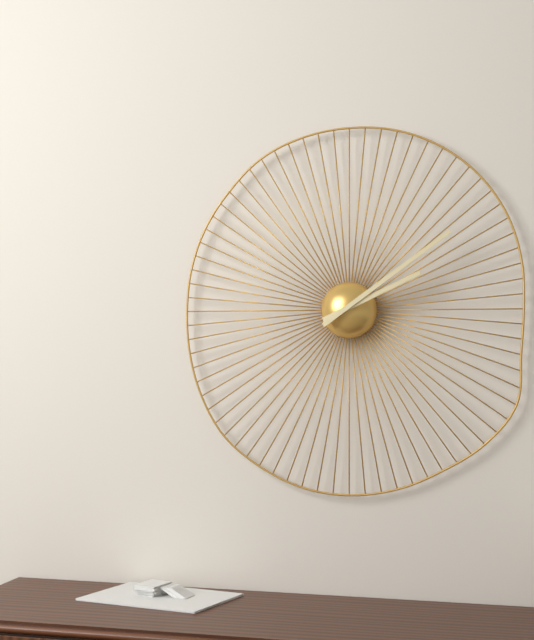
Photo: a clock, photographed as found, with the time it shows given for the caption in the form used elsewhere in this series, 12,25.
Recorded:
2,09
